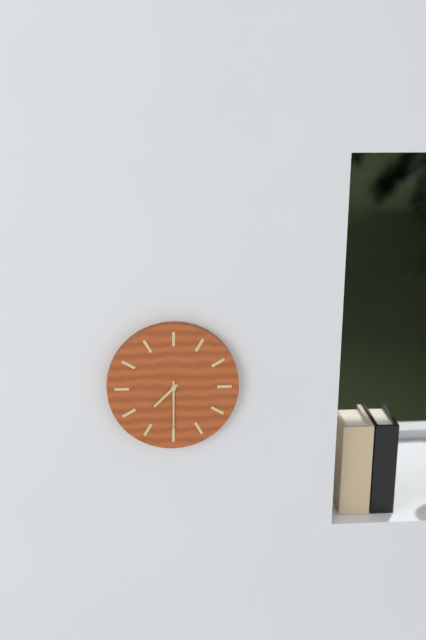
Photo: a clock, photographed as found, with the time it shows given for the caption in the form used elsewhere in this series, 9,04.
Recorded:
7,30
